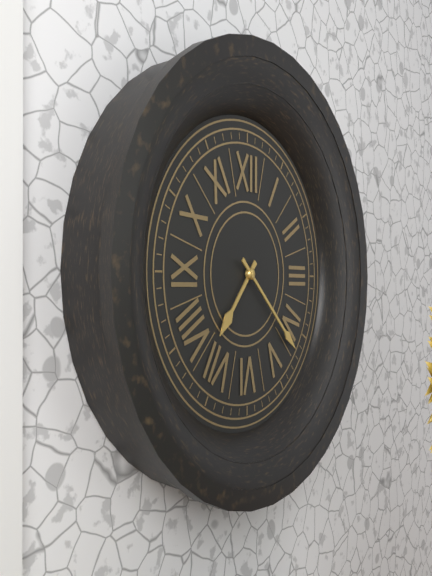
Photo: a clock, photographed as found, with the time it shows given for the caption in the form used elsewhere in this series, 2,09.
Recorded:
7,22
